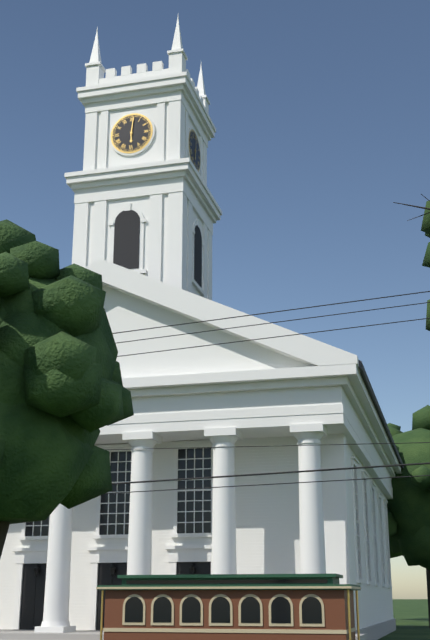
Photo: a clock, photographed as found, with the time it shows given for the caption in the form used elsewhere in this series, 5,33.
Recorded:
6,01
